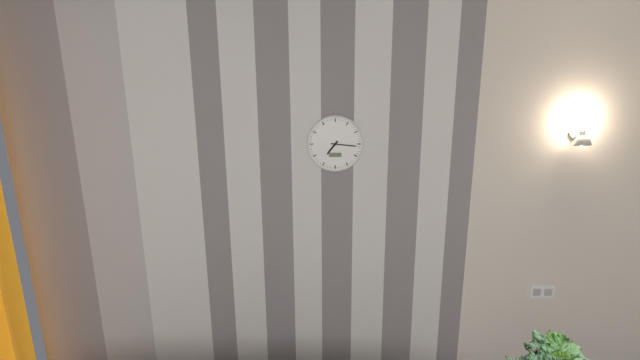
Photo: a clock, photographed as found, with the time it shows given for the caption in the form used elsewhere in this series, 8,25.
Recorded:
7,16
